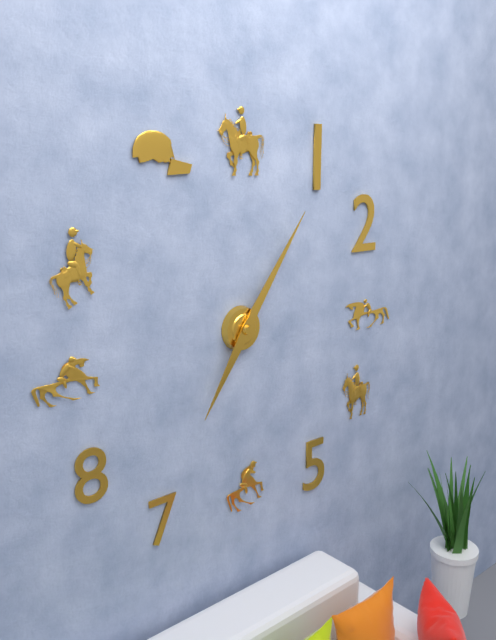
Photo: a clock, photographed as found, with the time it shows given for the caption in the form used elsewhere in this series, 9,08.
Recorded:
7,06
